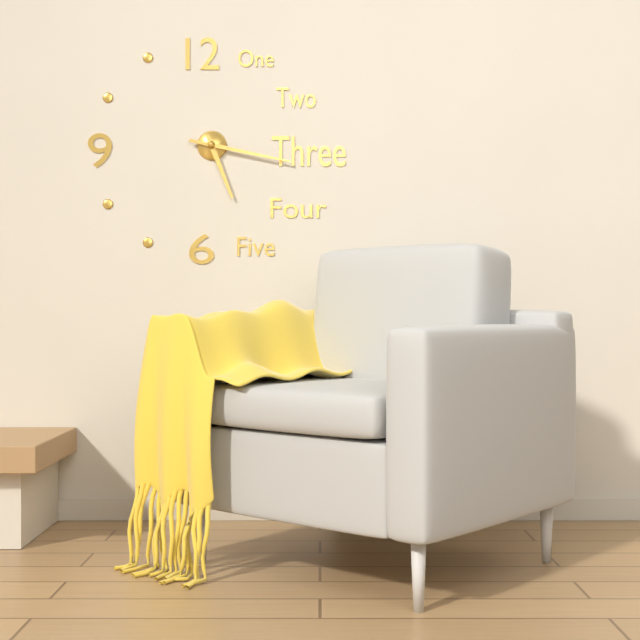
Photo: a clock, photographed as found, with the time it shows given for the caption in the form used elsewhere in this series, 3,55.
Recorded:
5,17
